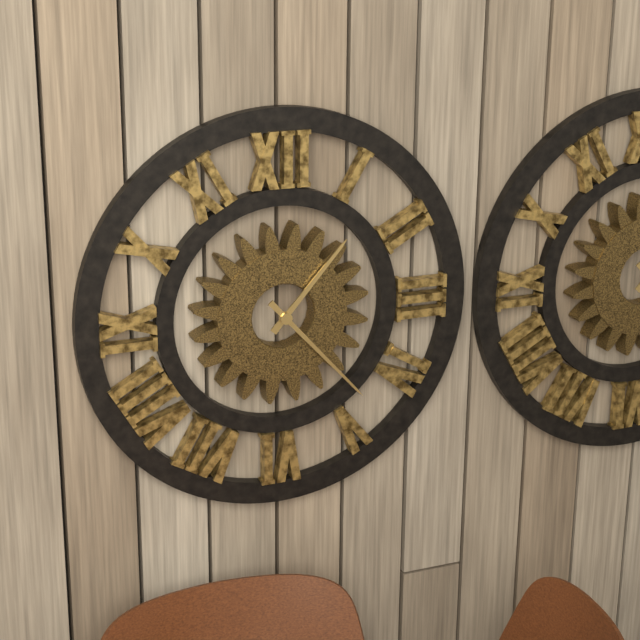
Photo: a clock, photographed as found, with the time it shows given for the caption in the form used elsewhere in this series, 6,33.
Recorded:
1,23
